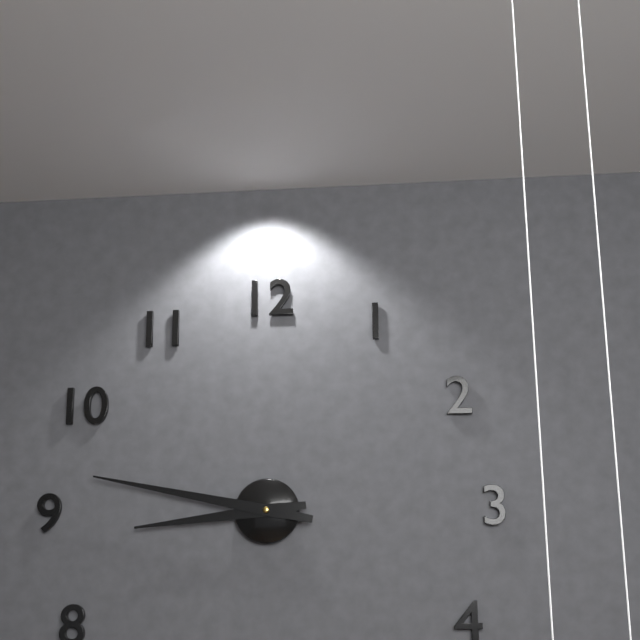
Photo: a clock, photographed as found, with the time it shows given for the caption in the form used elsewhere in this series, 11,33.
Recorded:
8,47
